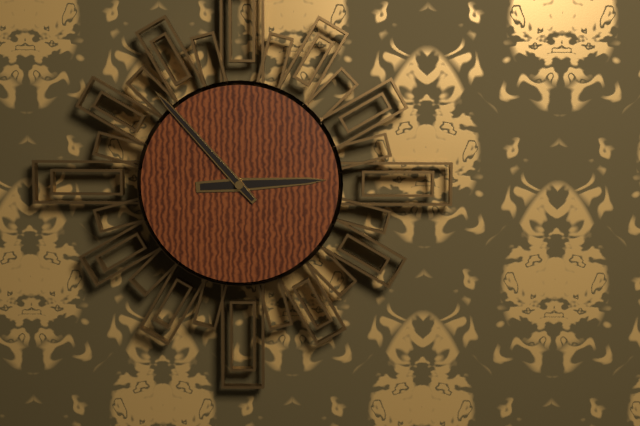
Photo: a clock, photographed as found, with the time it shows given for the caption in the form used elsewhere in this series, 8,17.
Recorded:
2,53
